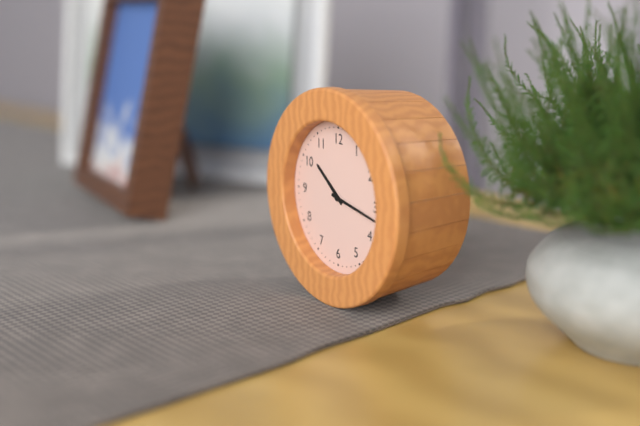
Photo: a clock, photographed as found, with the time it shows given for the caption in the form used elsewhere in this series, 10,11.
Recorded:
10,17
